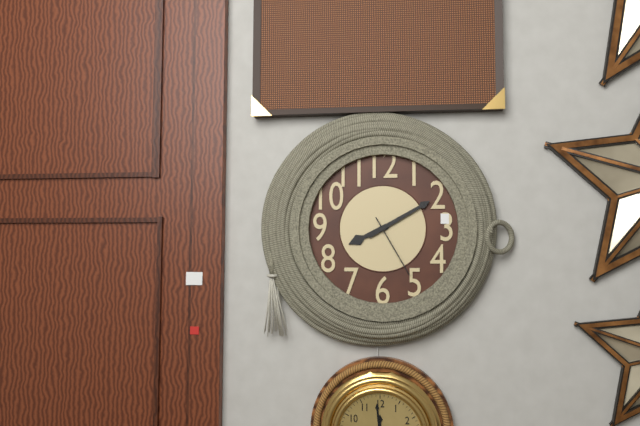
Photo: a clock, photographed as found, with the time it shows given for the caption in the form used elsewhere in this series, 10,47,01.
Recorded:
8,10,25
